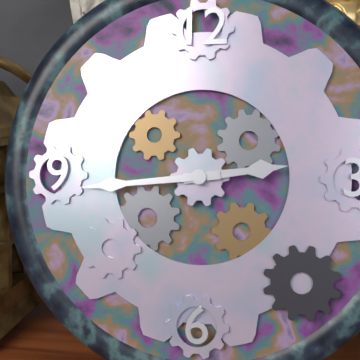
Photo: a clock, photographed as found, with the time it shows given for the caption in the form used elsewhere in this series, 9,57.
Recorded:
2,44
